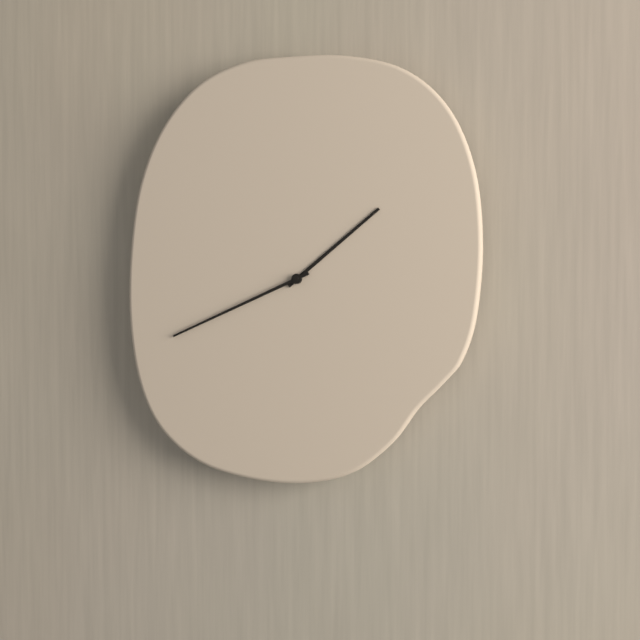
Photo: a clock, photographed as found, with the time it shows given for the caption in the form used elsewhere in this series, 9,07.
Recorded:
1,41
